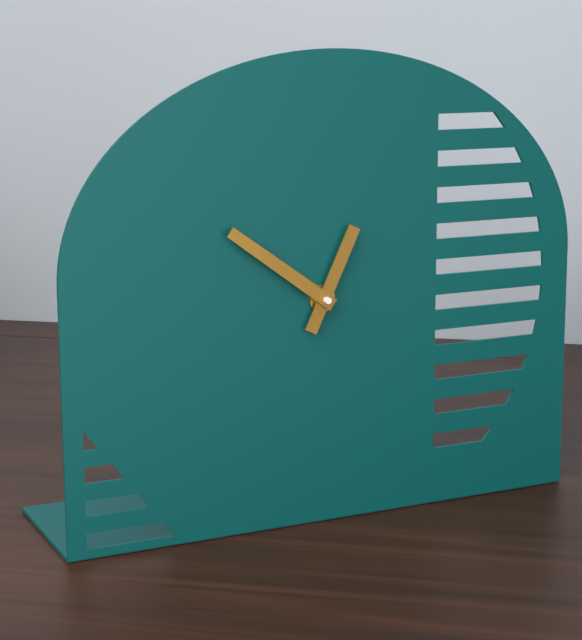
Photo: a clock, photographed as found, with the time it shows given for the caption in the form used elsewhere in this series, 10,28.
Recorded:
12,51
